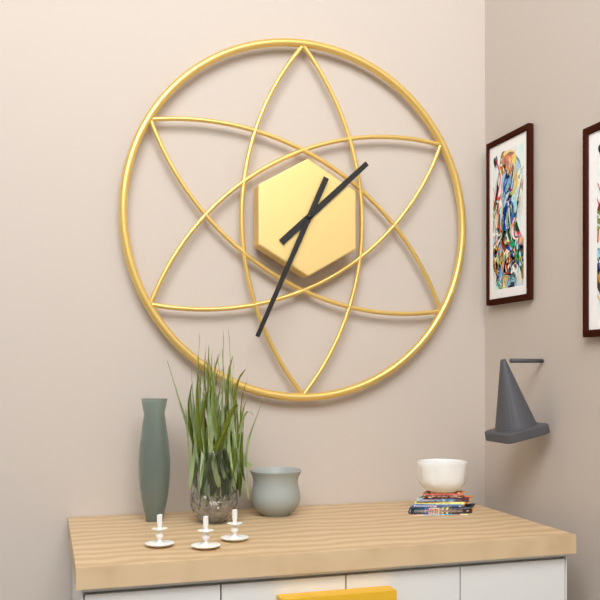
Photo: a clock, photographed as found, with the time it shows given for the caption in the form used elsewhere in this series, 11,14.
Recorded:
1,34
